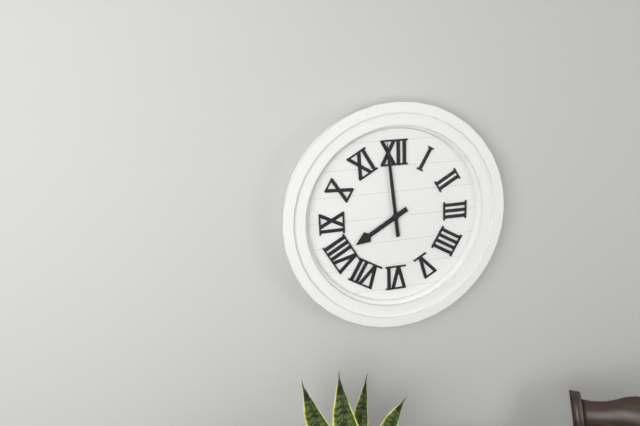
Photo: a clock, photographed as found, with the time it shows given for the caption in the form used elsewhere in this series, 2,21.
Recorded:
7,59
